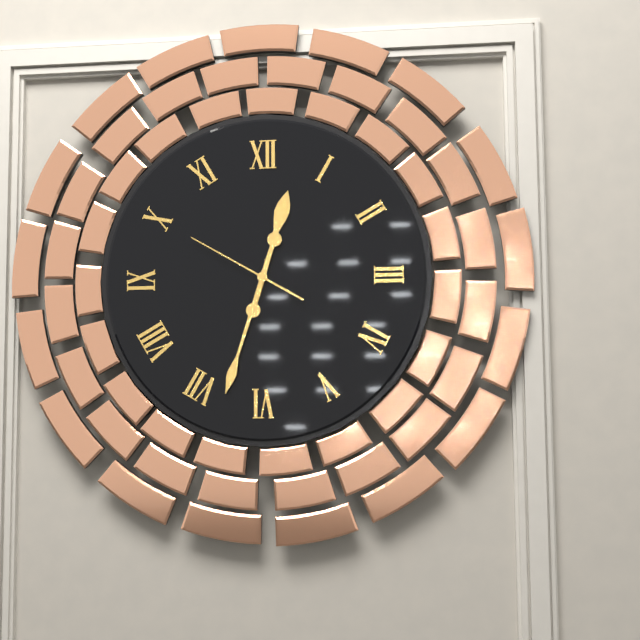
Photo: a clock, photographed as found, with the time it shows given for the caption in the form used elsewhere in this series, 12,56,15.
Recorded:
12,33,50
